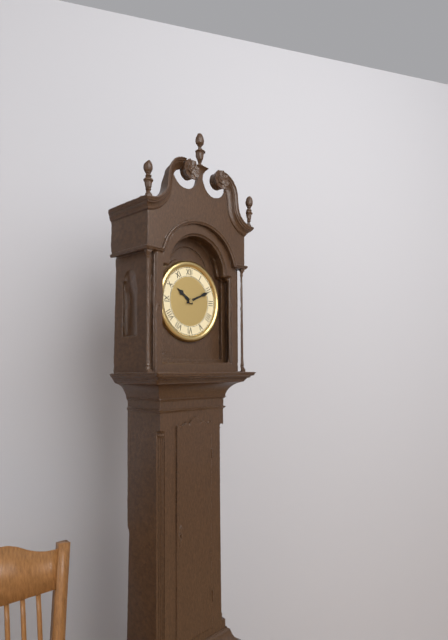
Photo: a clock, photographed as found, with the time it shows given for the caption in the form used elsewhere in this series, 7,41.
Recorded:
10,11
